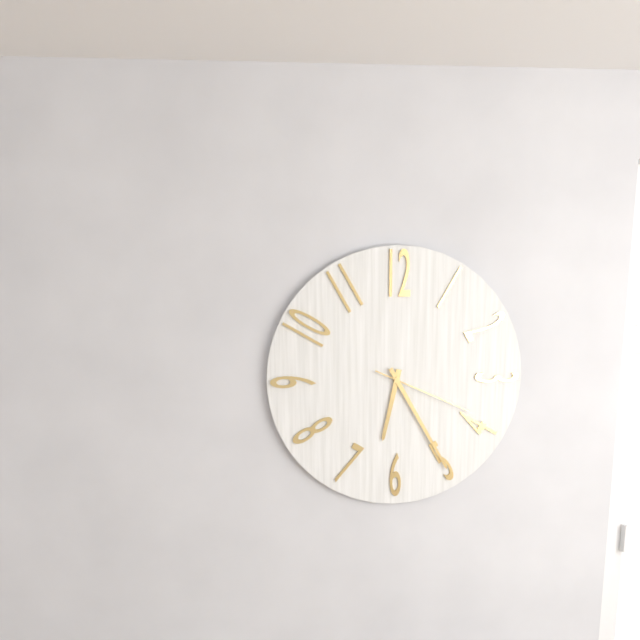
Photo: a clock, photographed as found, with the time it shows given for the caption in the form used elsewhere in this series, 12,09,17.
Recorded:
6,25,19
